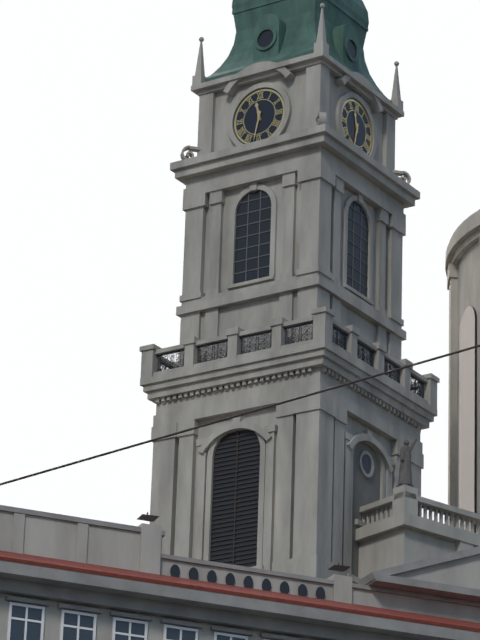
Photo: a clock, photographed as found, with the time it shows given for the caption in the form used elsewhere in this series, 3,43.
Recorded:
11,32
